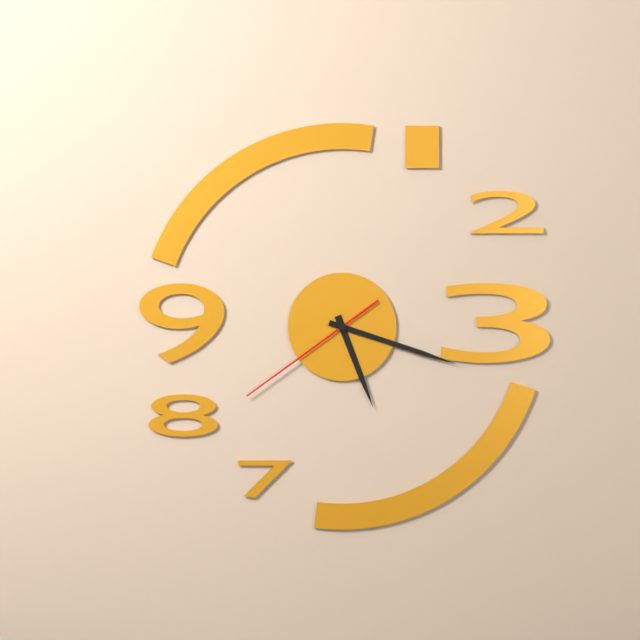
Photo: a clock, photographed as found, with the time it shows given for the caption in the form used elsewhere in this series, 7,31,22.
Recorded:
5,18,39
